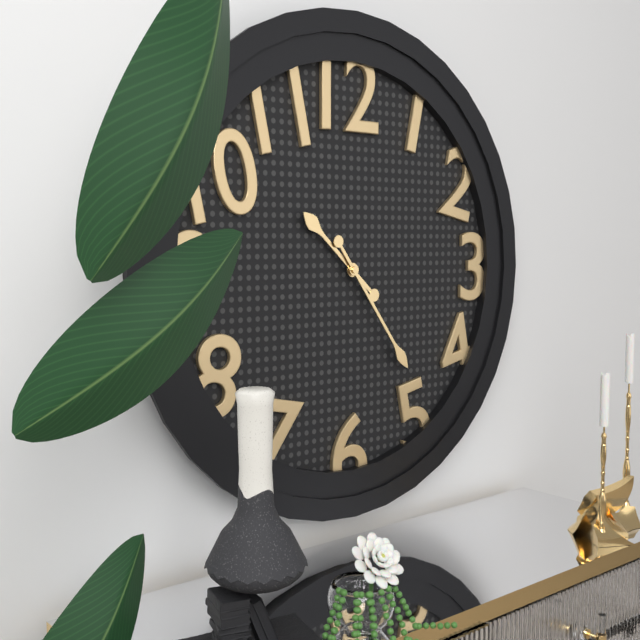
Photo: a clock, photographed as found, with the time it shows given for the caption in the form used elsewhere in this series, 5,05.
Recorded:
10,24
